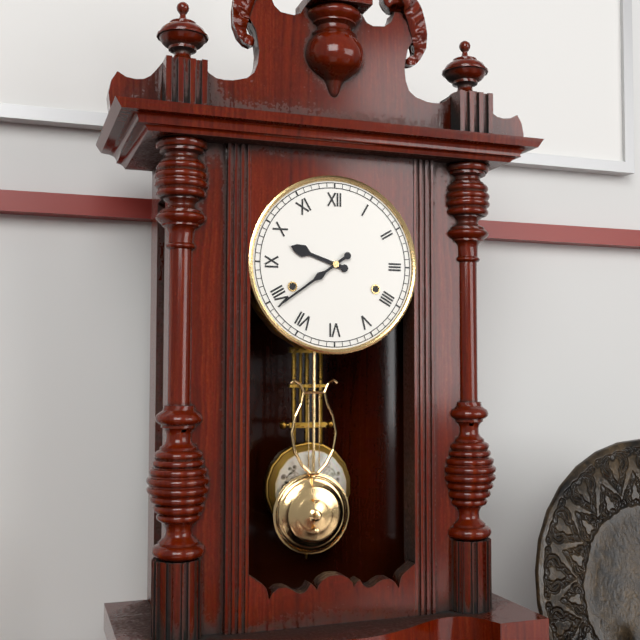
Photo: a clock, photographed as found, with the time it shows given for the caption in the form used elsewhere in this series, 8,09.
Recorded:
9,39
